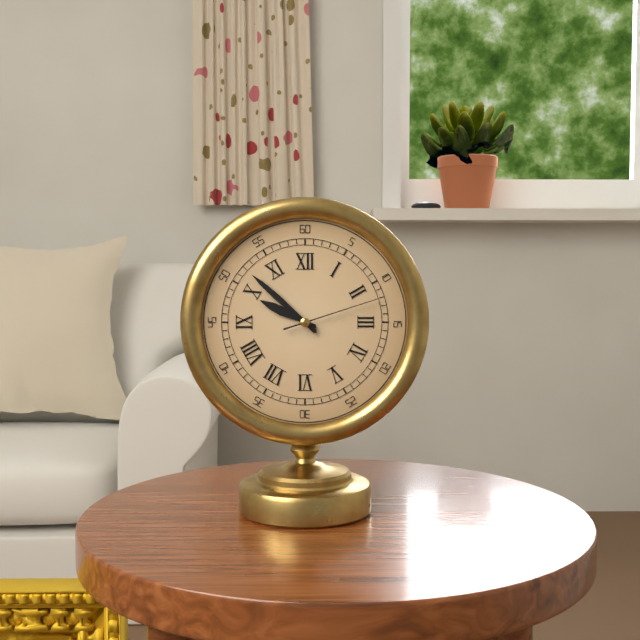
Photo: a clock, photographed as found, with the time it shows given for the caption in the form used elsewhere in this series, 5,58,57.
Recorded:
9,52,12
